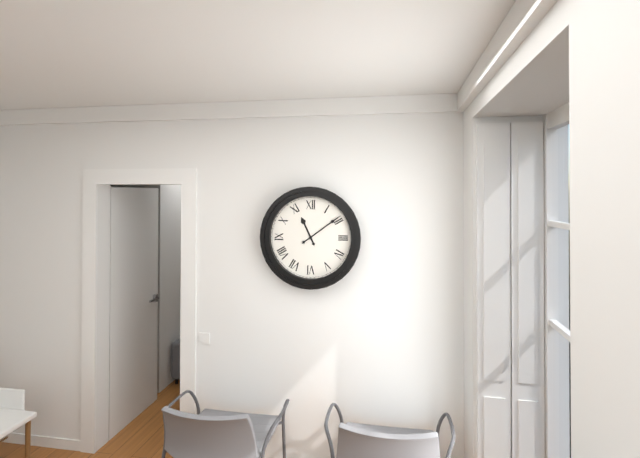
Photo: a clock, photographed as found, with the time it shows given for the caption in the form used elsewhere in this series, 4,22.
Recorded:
11,09
